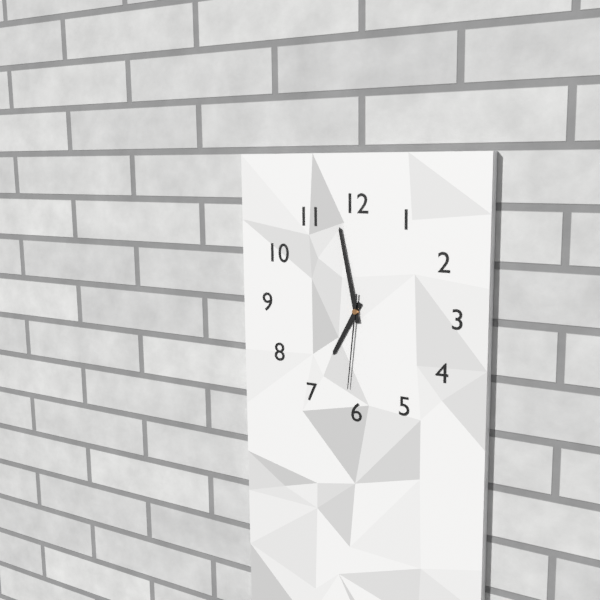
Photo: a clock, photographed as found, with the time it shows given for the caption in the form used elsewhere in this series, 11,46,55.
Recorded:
6,58,31
